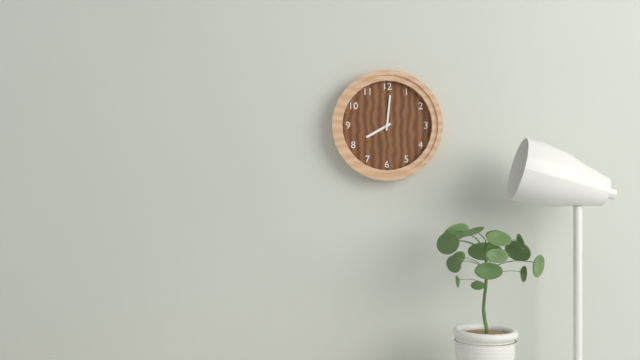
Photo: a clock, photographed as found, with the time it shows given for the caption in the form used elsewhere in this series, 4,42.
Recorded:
8,01
